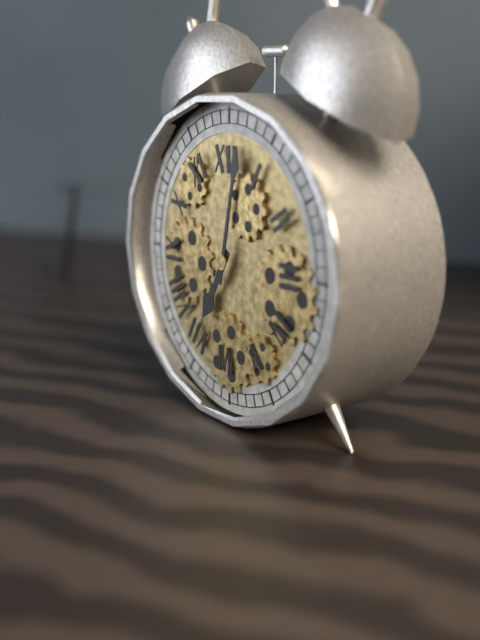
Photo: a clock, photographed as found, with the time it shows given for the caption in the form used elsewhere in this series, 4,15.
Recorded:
7,02
